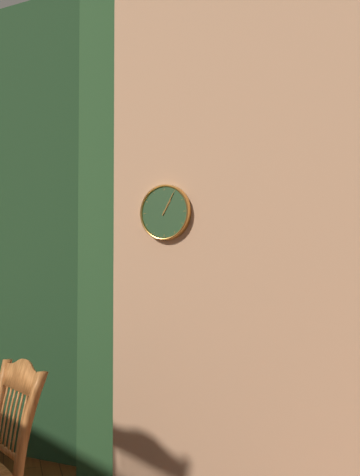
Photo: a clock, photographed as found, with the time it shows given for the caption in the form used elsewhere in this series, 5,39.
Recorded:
1,05
